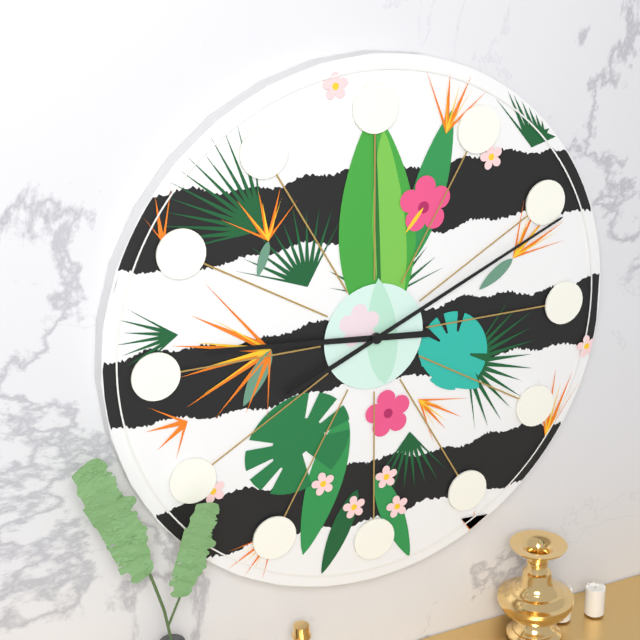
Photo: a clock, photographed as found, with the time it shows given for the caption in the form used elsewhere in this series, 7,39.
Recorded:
9,11
